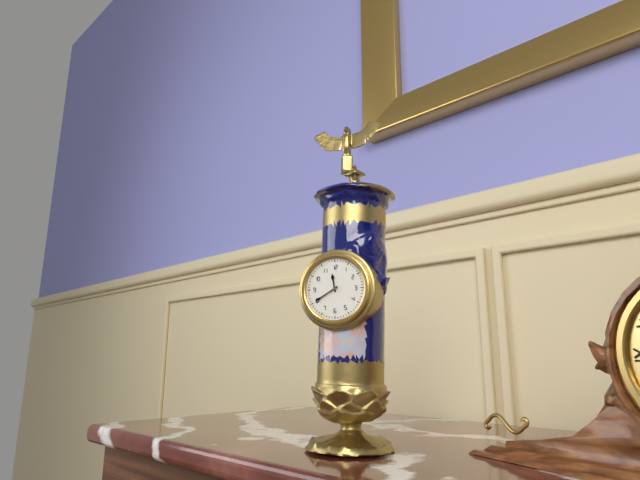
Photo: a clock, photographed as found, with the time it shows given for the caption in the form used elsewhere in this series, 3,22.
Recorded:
11,40
